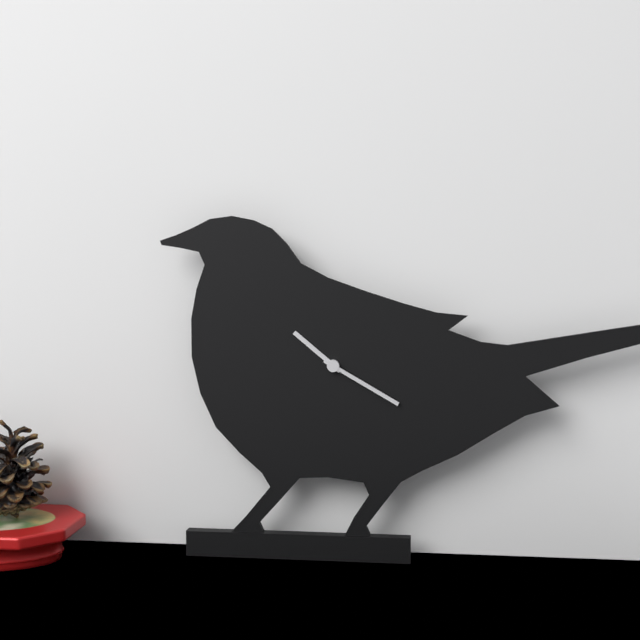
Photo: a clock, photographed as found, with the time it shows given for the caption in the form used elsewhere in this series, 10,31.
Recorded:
10,20
